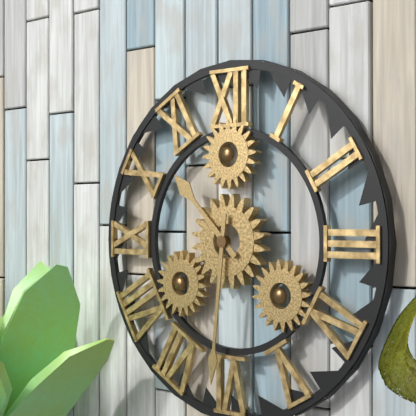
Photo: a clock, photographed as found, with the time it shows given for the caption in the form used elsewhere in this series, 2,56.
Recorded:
10,31
